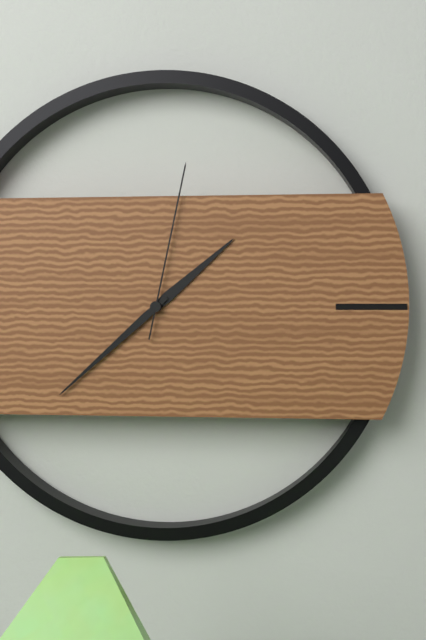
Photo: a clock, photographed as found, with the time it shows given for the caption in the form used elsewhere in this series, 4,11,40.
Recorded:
1,38,02
